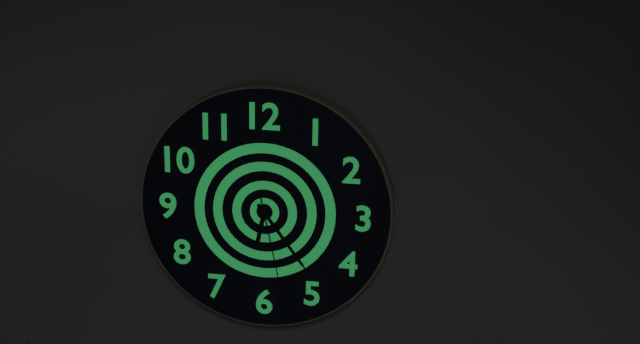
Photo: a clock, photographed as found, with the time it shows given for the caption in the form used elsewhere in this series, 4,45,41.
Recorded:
6,24,28
